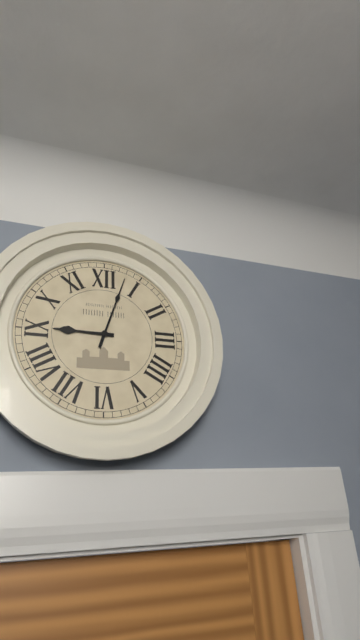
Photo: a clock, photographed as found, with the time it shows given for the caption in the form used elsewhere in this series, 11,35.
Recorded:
9,03
